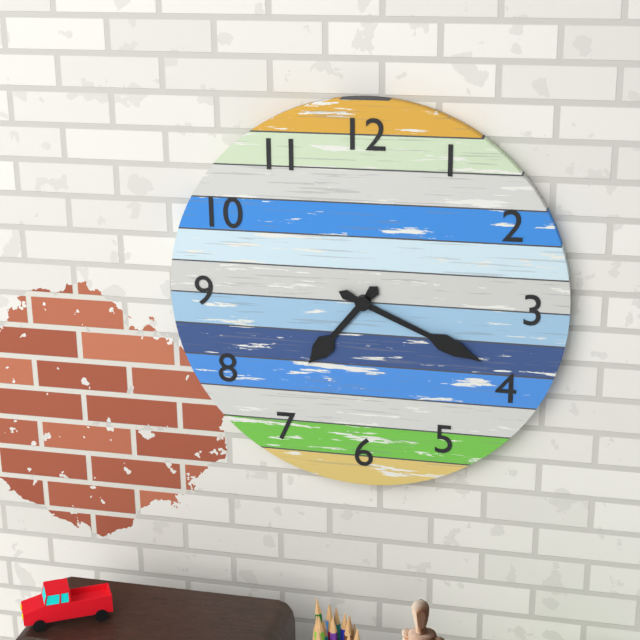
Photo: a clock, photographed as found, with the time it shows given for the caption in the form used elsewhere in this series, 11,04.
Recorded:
7,19
